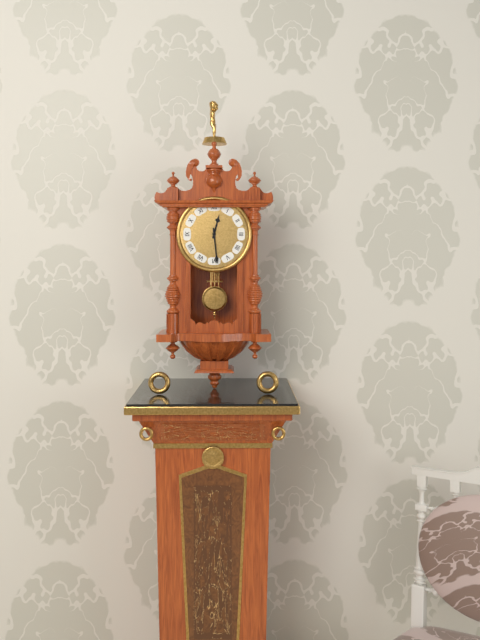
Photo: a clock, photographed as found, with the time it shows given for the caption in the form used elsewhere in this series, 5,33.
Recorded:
12,29
